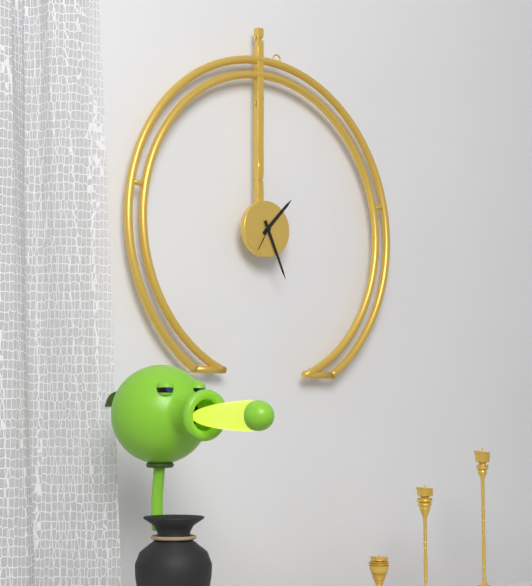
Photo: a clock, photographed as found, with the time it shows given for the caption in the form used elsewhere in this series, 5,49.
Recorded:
1,26
